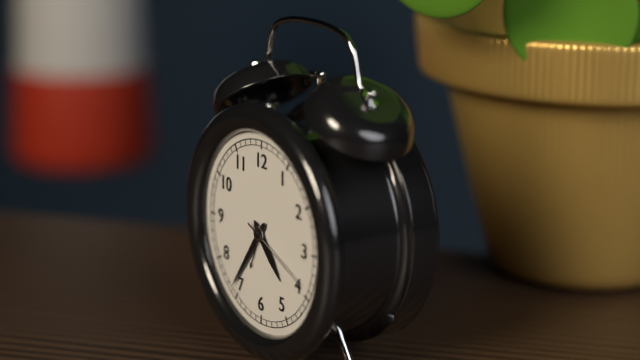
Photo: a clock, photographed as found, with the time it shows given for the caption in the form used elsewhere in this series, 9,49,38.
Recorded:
4,36,19
